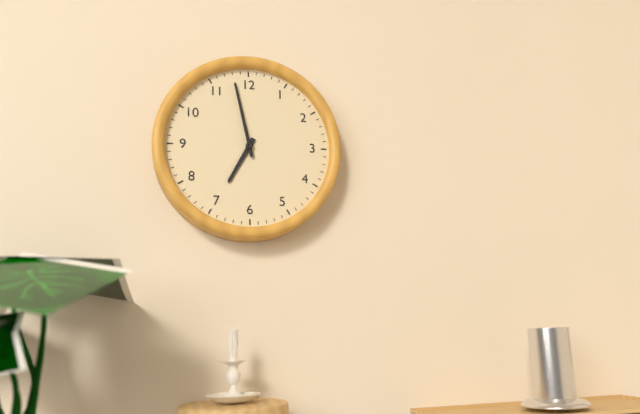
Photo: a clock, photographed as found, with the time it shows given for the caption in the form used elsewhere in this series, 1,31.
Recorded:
6,58
